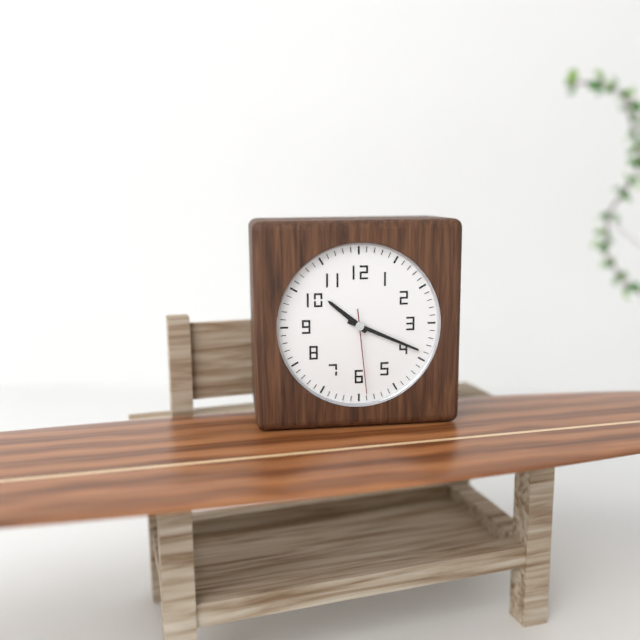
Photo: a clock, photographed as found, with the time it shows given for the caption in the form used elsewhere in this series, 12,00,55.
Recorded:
10,19,29
